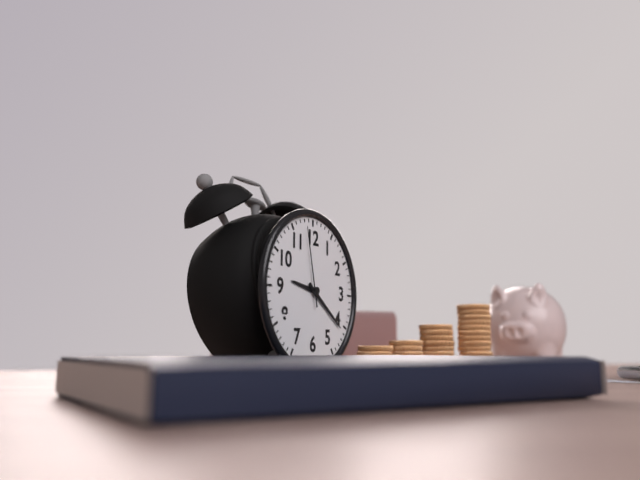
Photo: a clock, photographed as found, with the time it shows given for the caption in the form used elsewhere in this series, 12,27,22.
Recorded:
9,21,58
